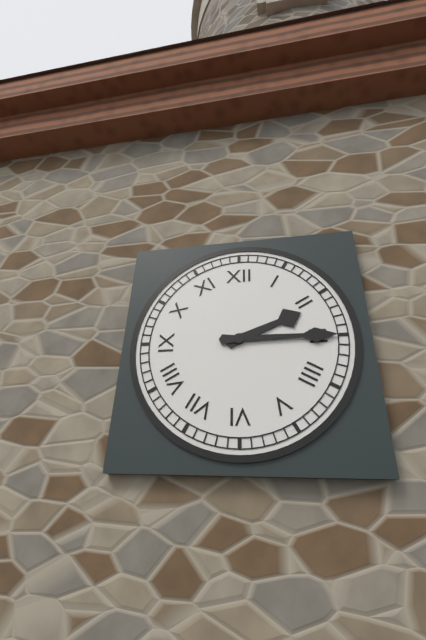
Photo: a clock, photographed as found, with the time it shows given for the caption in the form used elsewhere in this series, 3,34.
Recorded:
2,15
